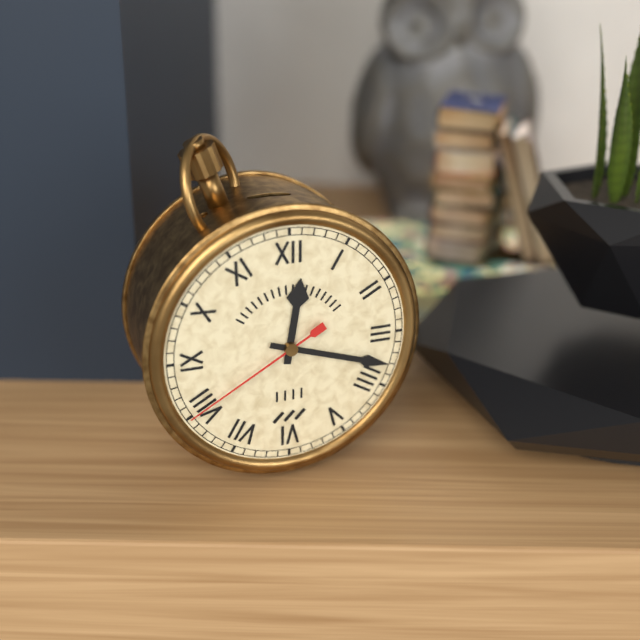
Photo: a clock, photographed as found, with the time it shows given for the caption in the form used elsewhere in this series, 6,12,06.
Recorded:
12,18,40
